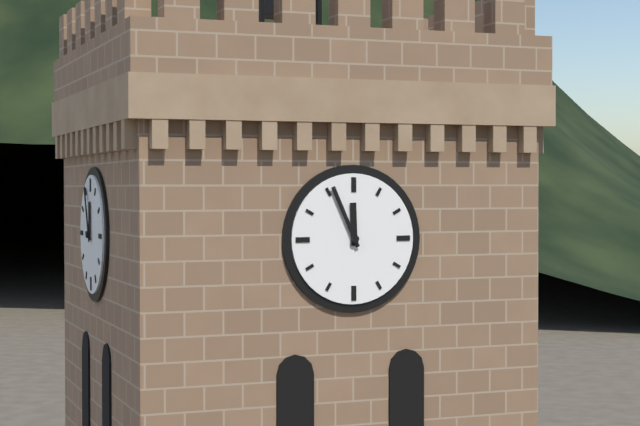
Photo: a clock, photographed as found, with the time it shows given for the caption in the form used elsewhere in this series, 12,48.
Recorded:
11,56
